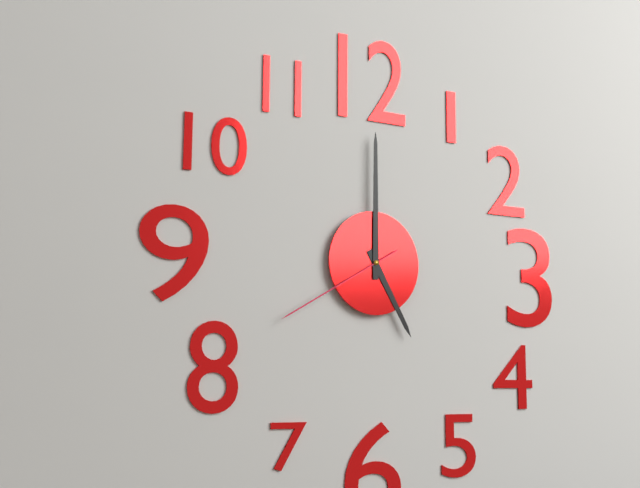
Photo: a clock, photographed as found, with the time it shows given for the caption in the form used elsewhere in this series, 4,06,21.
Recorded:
5,00,40
